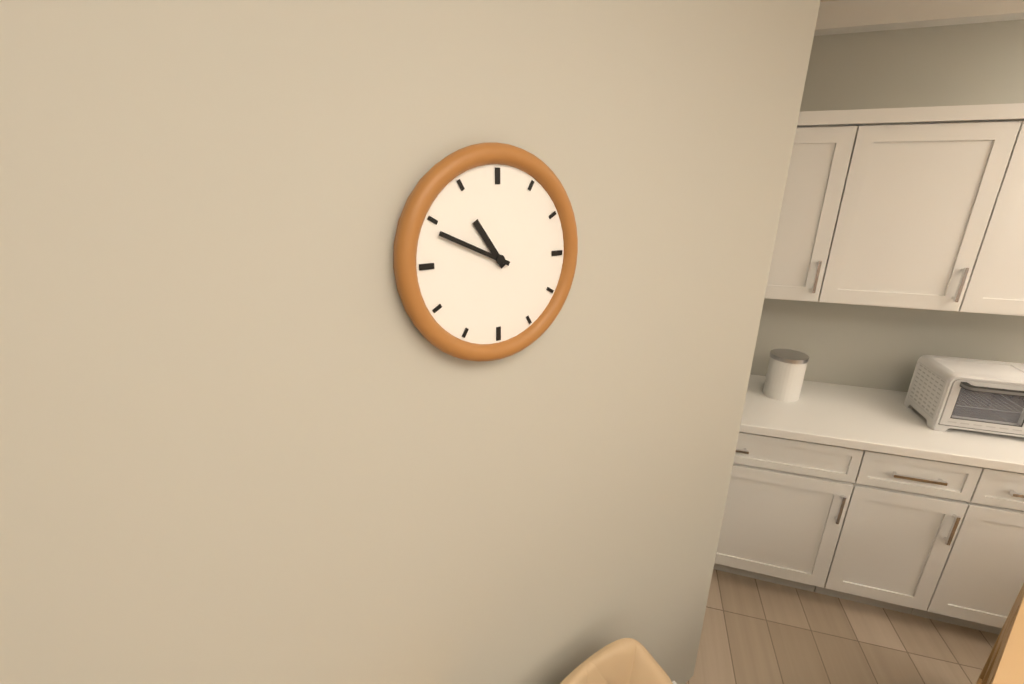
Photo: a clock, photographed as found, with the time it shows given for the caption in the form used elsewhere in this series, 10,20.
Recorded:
10,49
